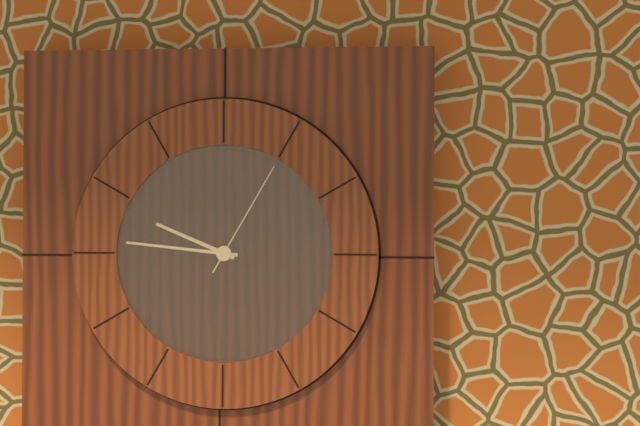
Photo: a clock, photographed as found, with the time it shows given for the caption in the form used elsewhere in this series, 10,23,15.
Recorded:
9,46,05
